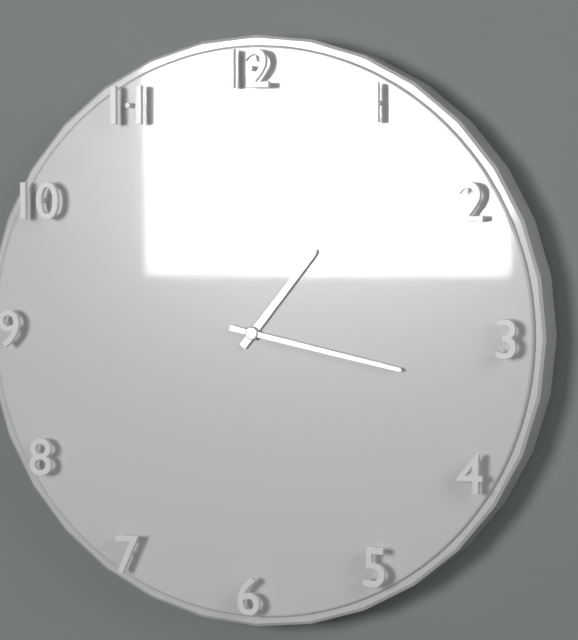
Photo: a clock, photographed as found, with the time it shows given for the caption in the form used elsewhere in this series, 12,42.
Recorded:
1,17
